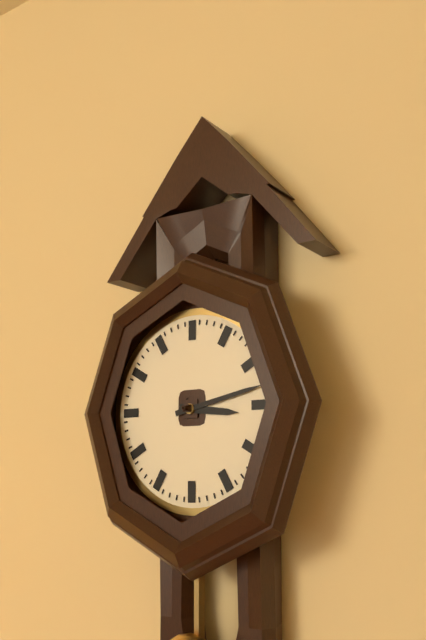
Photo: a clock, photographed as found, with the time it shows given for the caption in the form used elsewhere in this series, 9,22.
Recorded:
3,13
